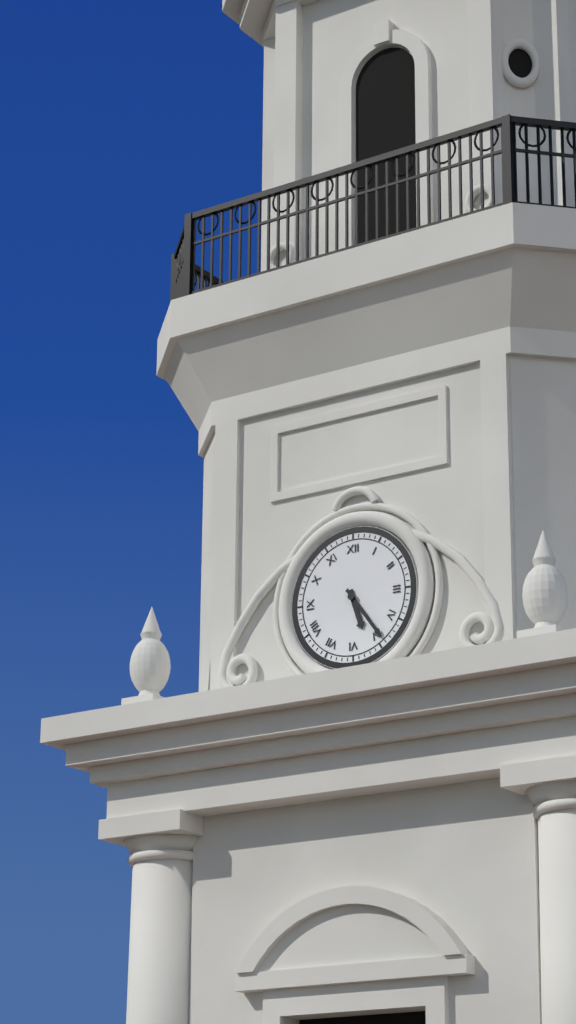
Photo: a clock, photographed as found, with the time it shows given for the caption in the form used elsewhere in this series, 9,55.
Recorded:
5,24
